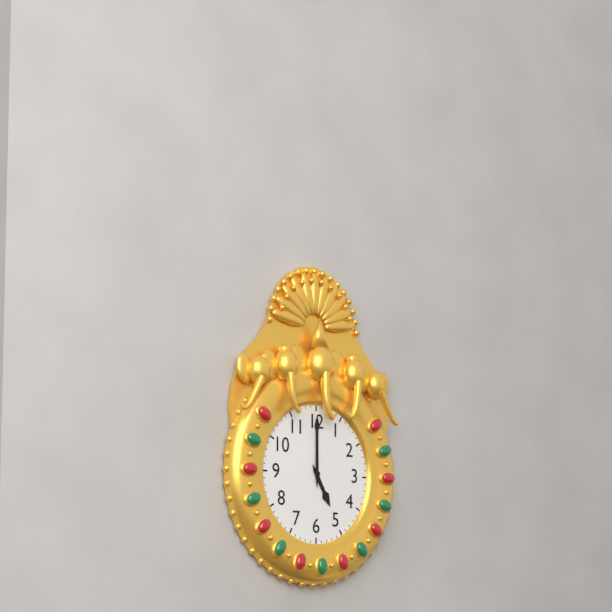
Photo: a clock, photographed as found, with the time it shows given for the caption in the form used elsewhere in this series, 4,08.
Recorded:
5,00
